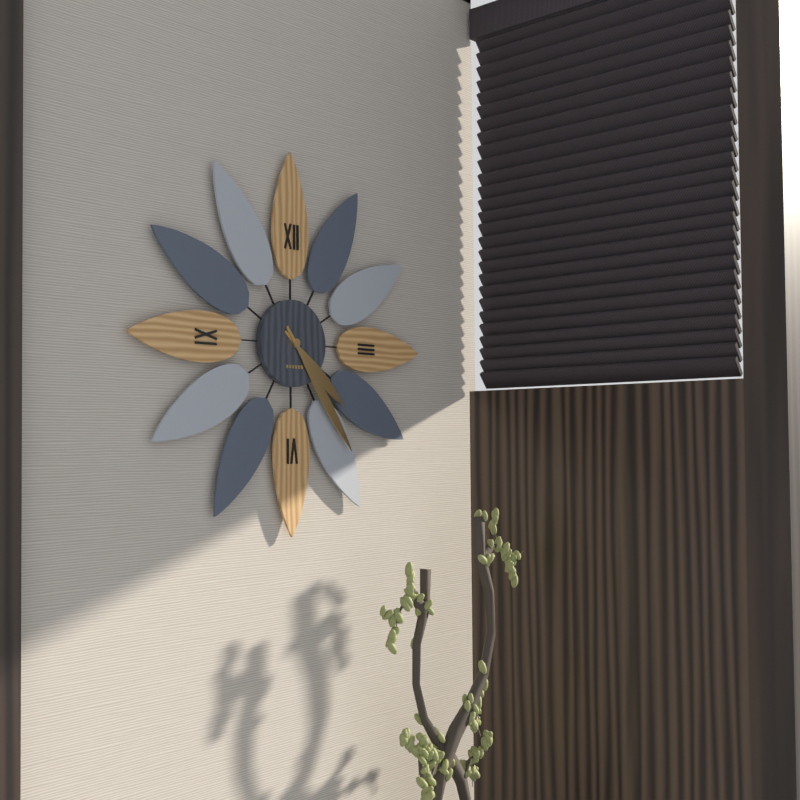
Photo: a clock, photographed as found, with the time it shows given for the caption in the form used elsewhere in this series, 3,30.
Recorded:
4,24
